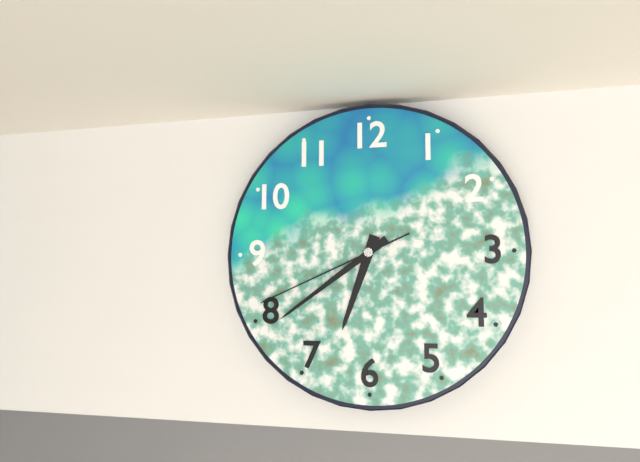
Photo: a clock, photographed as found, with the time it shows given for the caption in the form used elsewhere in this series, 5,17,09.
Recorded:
6,39,41
